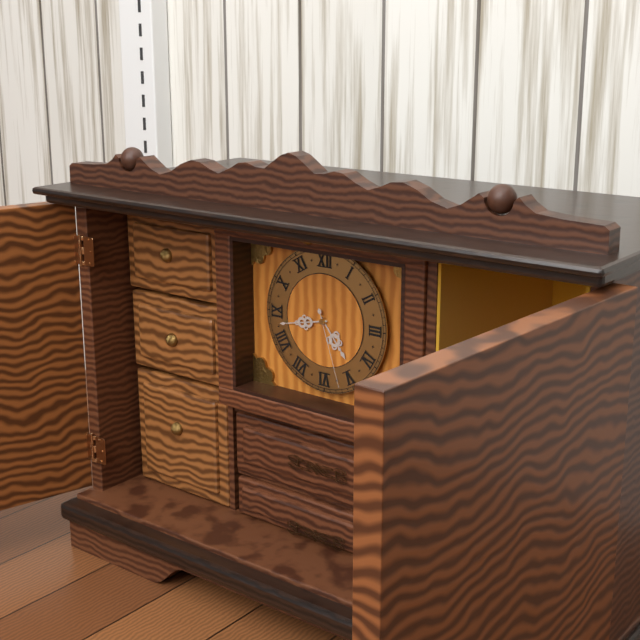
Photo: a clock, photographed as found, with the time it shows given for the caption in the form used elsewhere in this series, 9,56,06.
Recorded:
4,43,27
